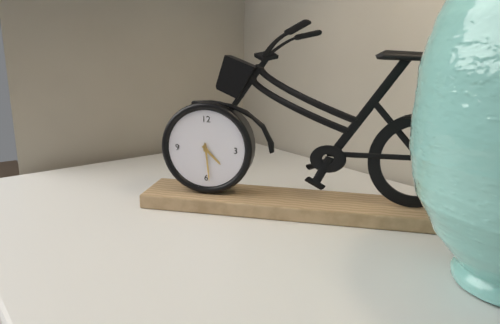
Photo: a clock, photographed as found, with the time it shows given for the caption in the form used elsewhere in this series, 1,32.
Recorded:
4,29
